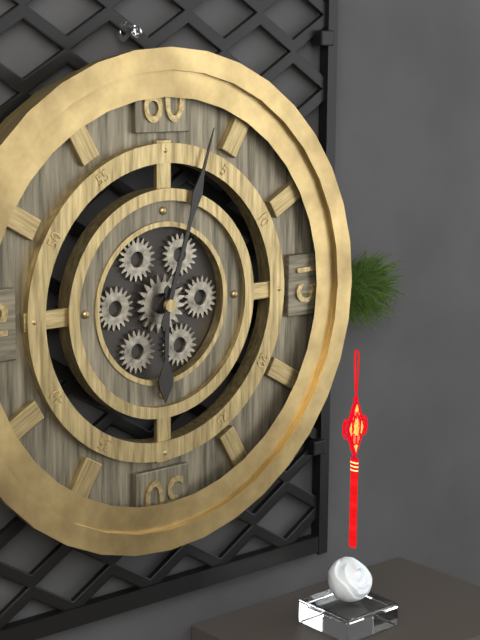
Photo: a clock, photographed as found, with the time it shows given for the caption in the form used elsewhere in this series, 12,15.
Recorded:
6,03
